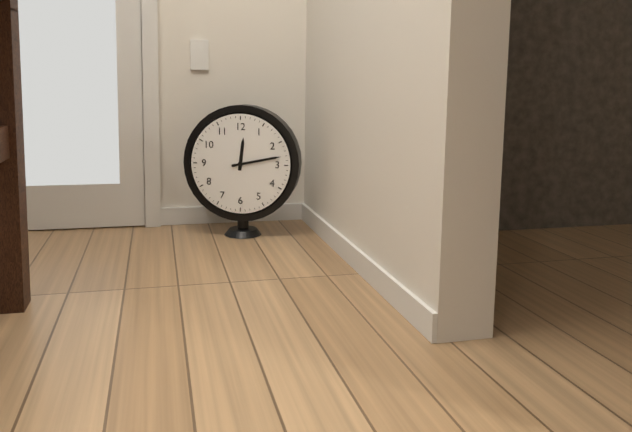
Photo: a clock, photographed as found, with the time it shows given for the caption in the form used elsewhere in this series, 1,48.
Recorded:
12,13
